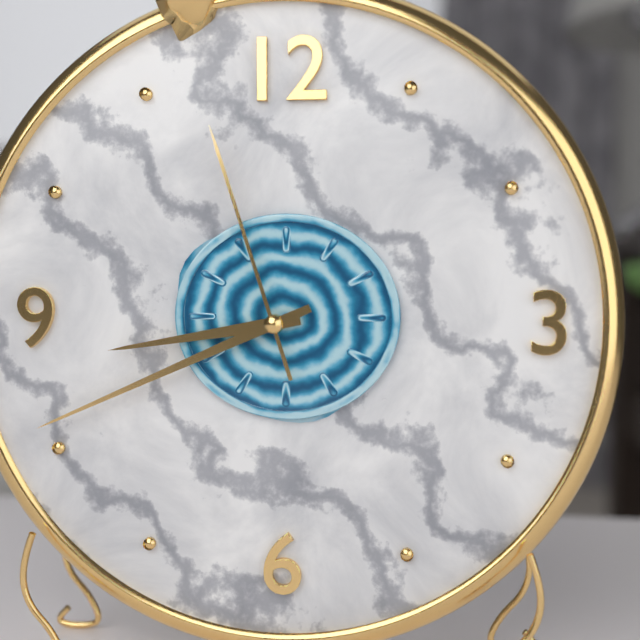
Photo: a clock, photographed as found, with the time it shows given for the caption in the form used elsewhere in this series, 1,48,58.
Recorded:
8,41,57
